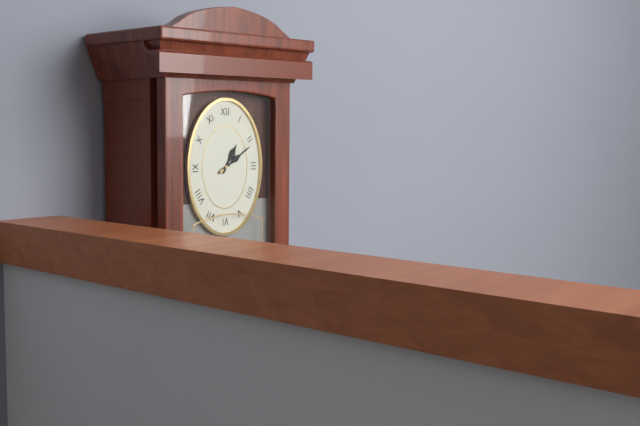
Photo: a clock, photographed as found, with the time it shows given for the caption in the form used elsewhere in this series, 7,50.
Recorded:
1,10
